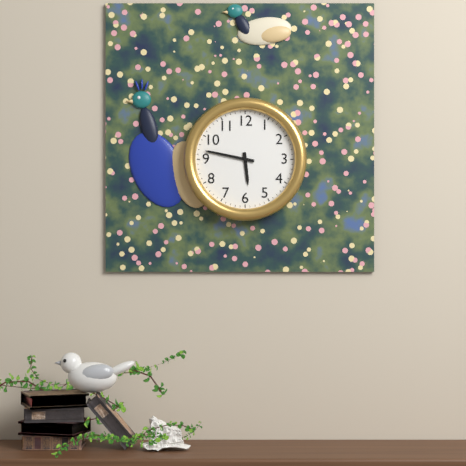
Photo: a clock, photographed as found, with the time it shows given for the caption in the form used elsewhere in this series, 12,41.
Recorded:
5,47
